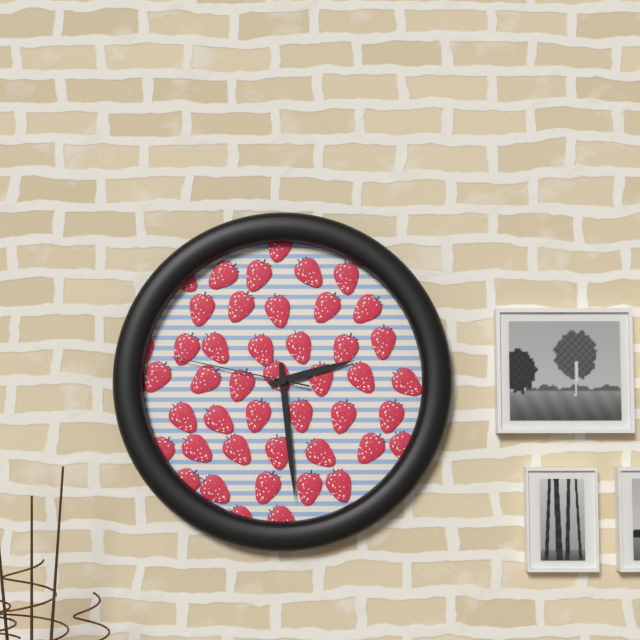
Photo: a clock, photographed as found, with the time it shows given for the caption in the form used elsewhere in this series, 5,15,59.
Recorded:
2,29,47
